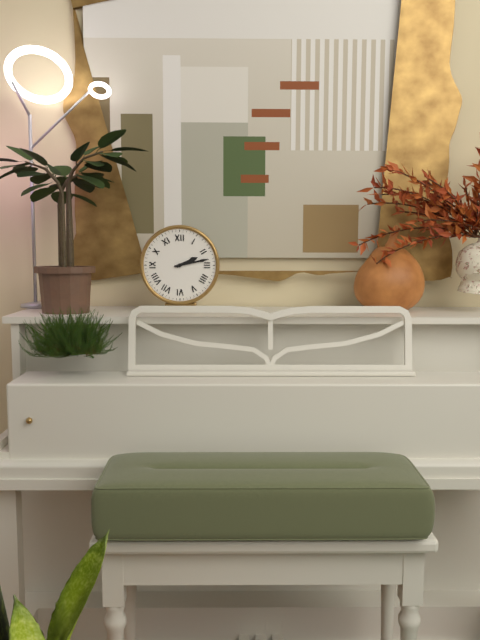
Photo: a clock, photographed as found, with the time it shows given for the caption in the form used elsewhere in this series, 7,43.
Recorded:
2,13
